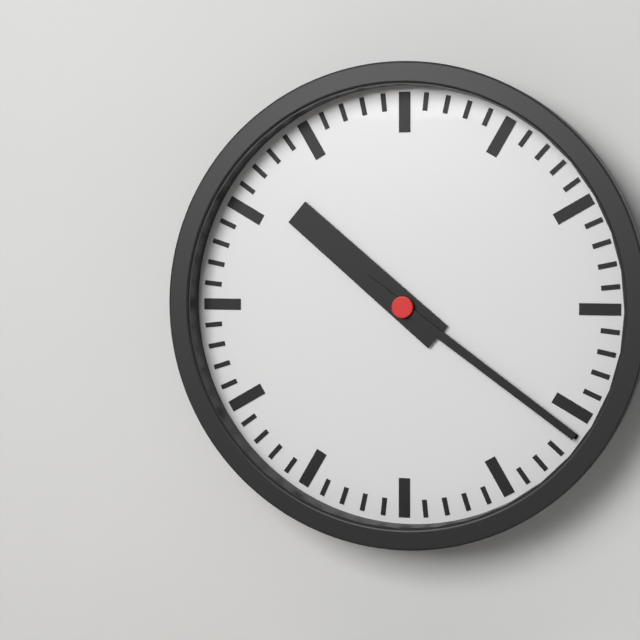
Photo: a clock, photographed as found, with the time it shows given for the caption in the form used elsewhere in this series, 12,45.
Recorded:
10,21
